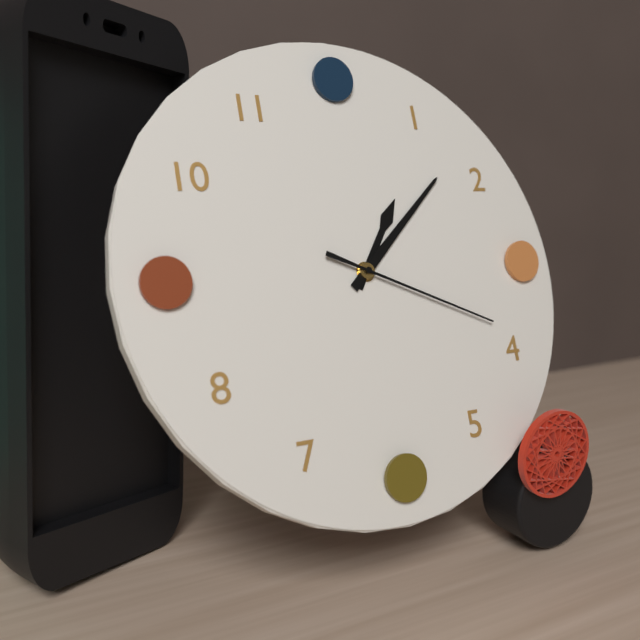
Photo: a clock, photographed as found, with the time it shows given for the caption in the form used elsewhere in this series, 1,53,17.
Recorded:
1,08,19
